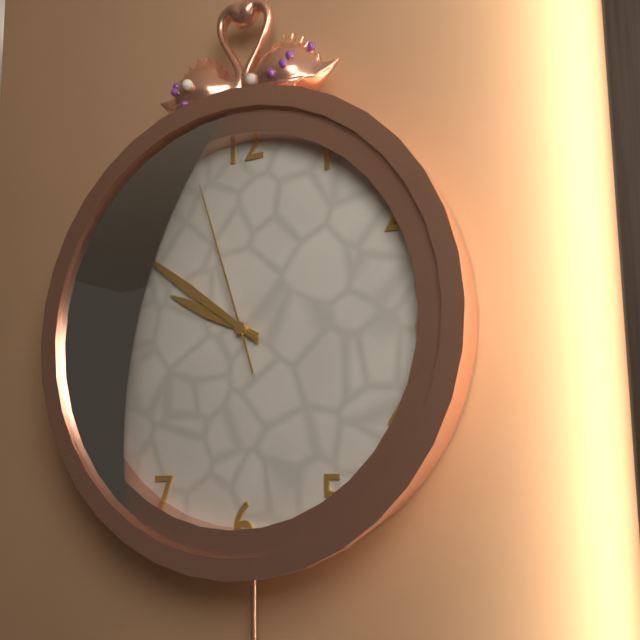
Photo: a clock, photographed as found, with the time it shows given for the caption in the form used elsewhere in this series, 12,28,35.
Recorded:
9,51,57
